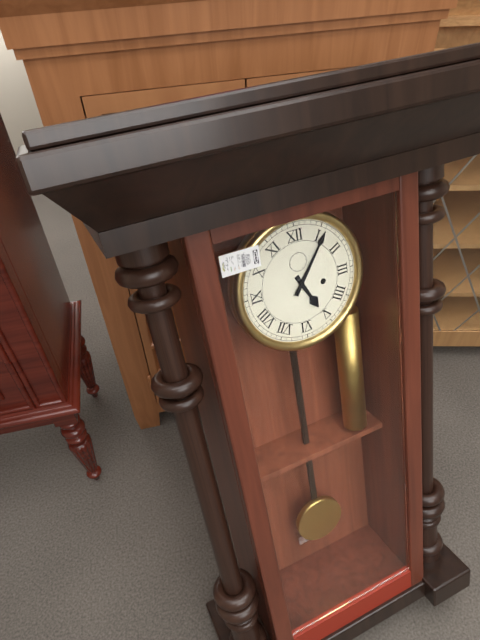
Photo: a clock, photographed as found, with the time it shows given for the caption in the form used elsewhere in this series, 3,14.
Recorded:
5,06
